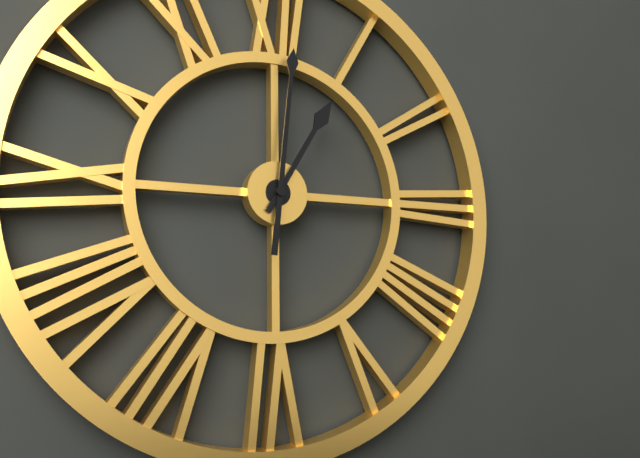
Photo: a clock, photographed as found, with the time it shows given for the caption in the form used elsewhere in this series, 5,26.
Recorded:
1,01
